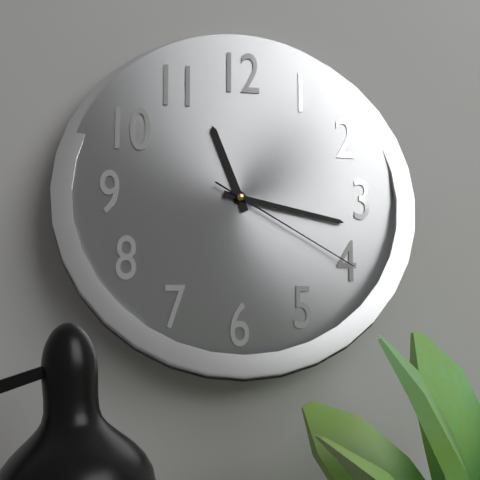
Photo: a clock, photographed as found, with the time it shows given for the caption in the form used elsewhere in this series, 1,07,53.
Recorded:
11,17,20
